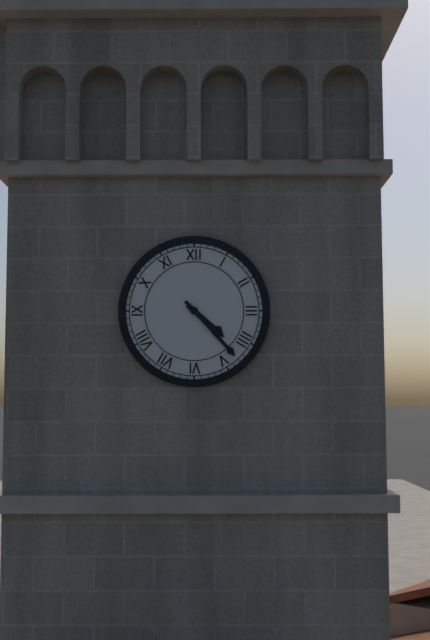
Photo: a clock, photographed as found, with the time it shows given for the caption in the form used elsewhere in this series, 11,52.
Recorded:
4,23
